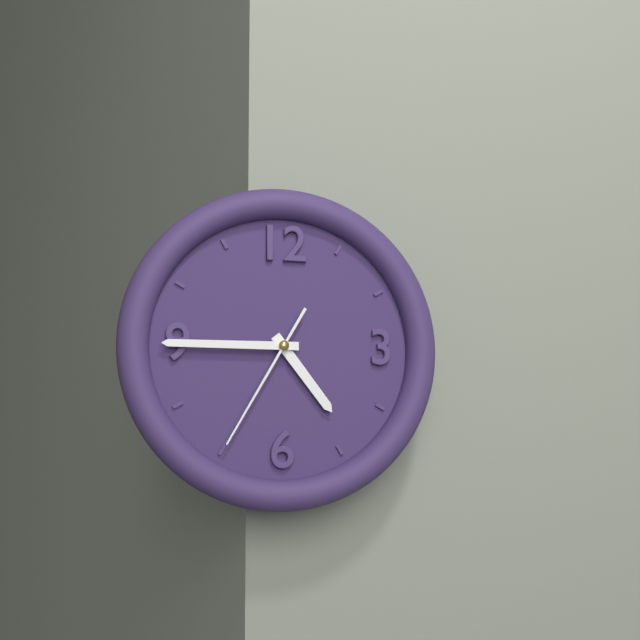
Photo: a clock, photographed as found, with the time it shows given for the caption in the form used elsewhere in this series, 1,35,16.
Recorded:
4,45,35
